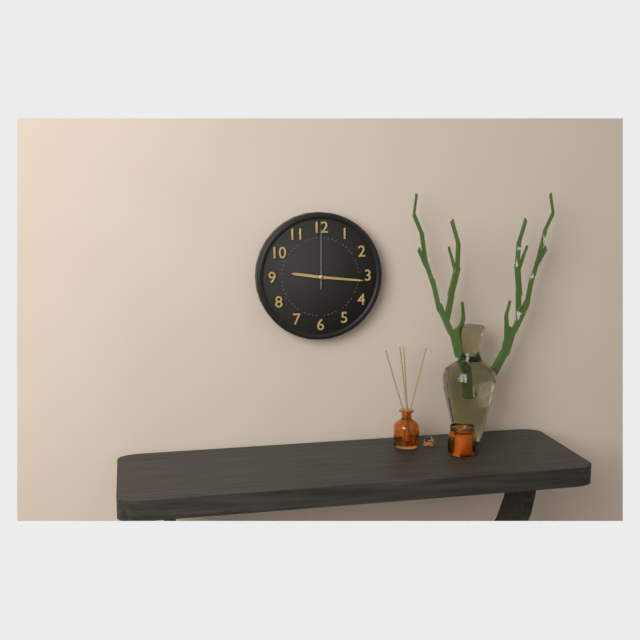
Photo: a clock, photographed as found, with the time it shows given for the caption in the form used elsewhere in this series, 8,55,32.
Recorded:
9,16,00
